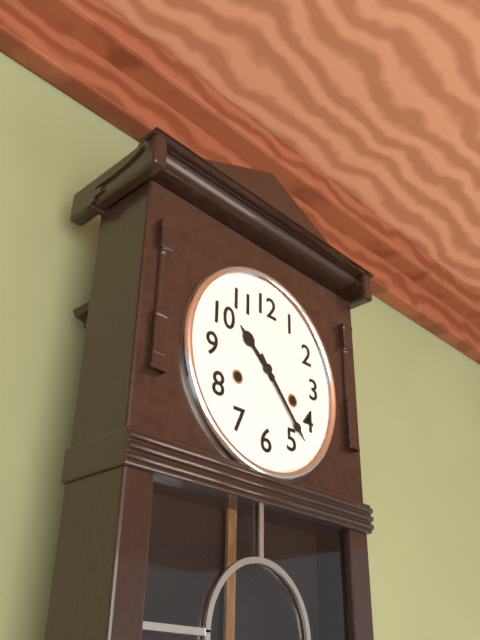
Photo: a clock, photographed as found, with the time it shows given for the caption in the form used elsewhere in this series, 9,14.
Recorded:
10,23
